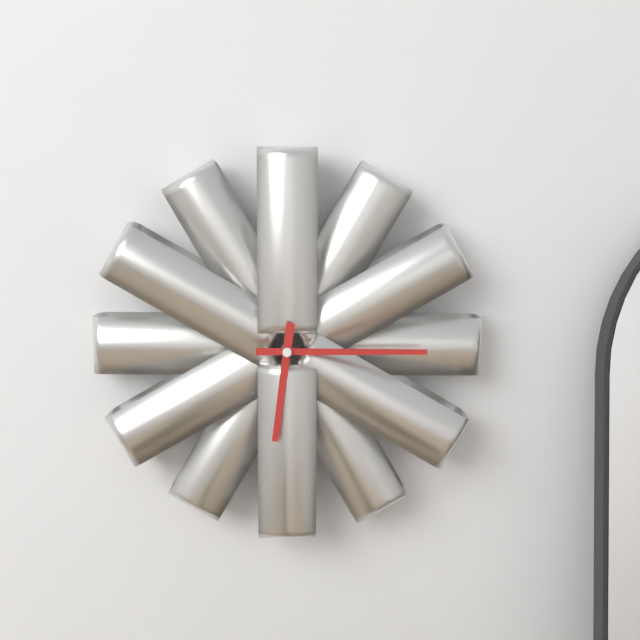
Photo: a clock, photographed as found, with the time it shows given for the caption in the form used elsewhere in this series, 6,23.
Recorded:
6,15
